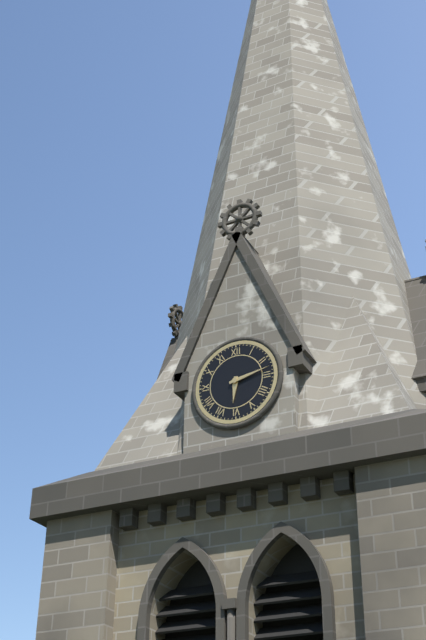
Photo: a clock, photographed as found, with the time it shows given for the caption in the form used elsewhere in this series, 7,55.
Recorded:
6,13
